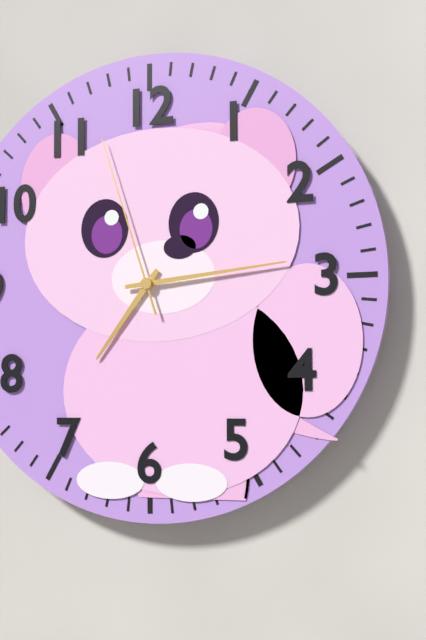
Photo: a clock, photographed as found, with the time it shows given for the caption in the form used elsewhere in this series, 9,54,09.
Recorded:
7,14,57
